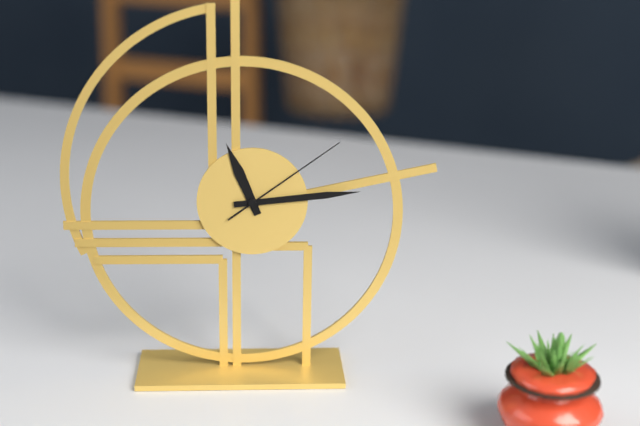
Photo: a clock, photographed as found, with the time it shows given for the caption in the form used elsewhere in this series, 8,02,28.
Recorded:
11,14,09
